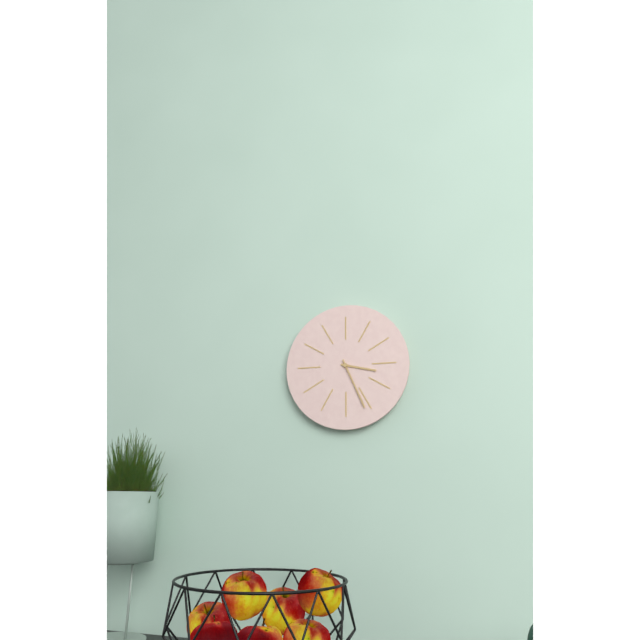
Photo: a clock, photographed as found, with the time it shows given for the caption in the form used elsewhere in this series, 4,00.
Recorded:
3,26
